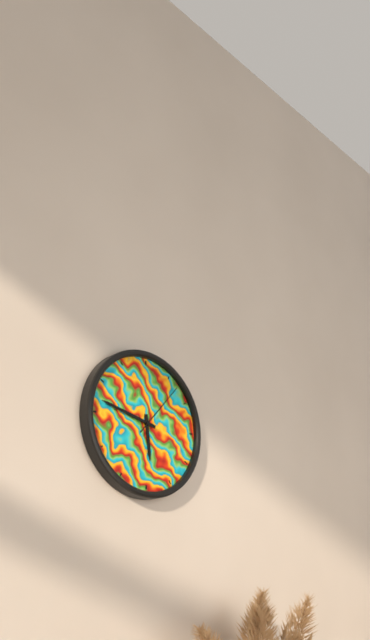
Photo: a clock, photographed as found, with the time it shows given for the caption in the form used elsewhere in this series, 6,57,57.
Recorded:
5,47,07
